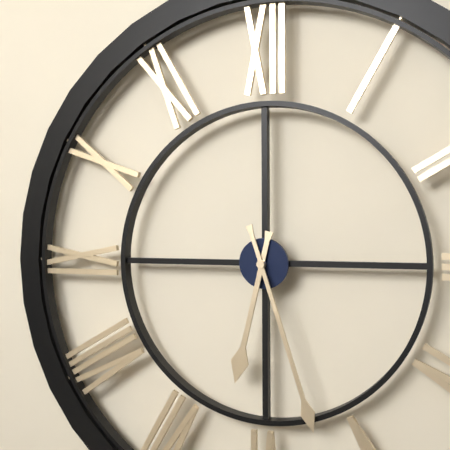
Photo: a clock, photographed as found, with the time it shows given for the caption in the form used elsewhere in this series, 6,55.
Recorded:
6,27
